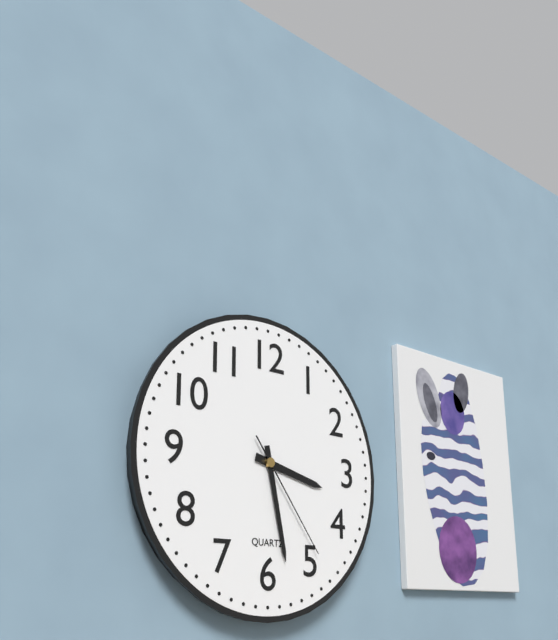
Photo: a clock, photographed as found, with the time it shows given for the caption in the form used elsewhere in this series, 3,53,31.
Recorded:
3,28,24
